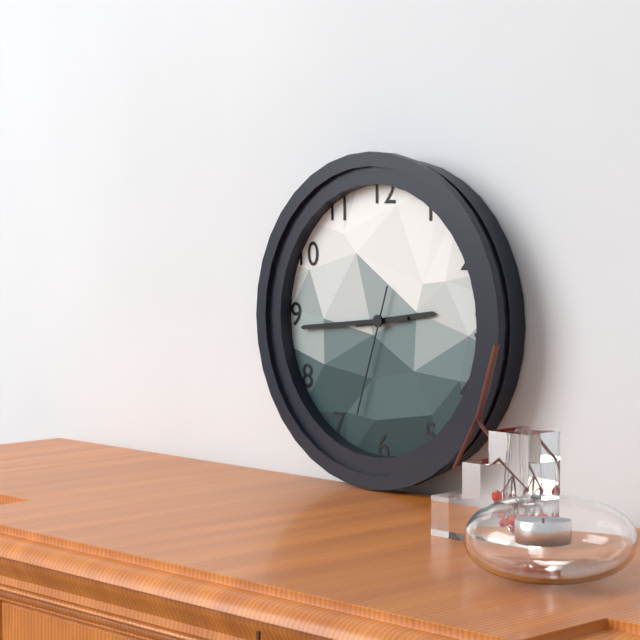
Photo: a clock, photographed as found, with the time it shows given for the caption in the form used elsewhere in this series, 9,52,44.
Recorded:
2,44,33
